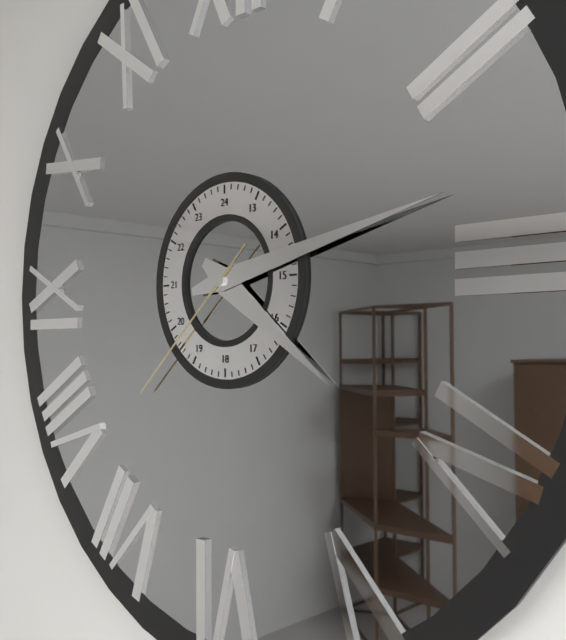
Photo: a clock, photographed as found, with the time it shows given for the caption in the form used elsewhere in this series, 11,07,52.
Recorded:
4,13,38
